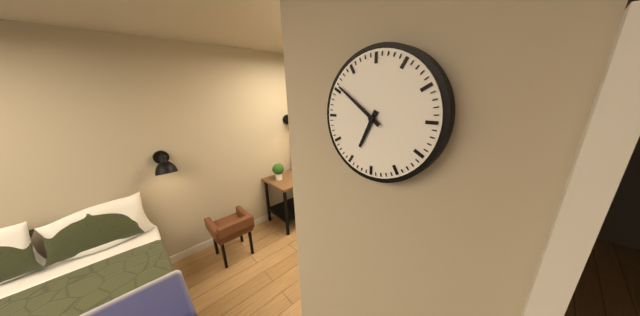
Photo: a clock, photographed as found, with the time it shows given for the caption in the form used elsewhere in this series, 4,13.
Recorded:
6,51
